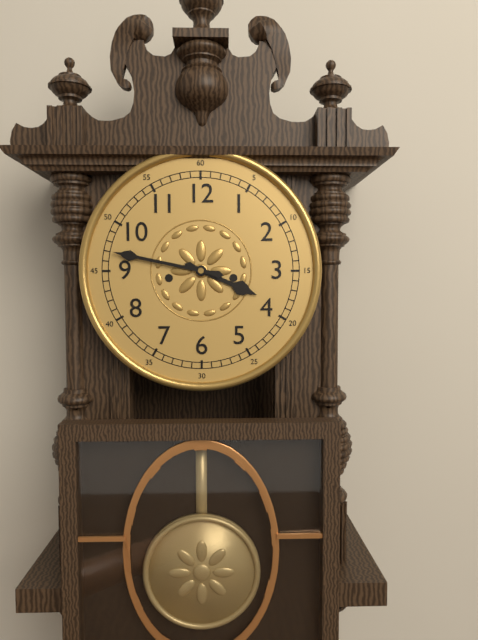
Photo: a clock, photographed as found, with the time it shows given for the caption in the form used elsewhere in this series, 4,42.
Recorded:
3,47
